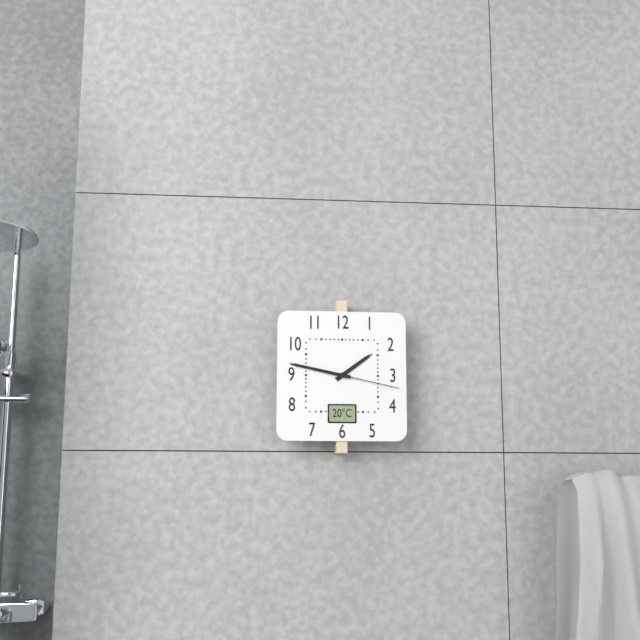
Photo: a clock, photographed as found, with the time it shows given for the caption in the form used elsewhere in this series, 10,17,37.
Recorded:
1,47,17
